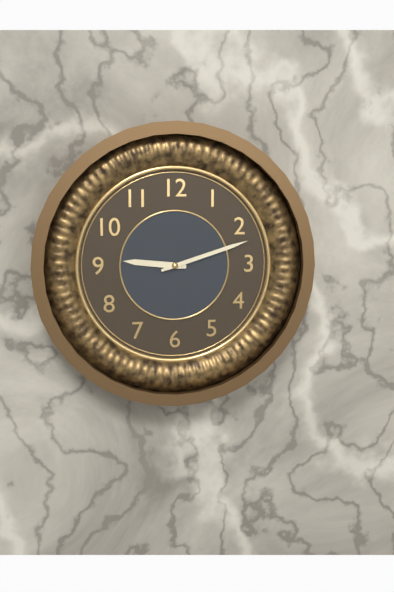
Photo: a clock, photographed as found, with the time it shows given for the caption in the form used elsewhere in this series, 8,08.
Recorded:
9,12
